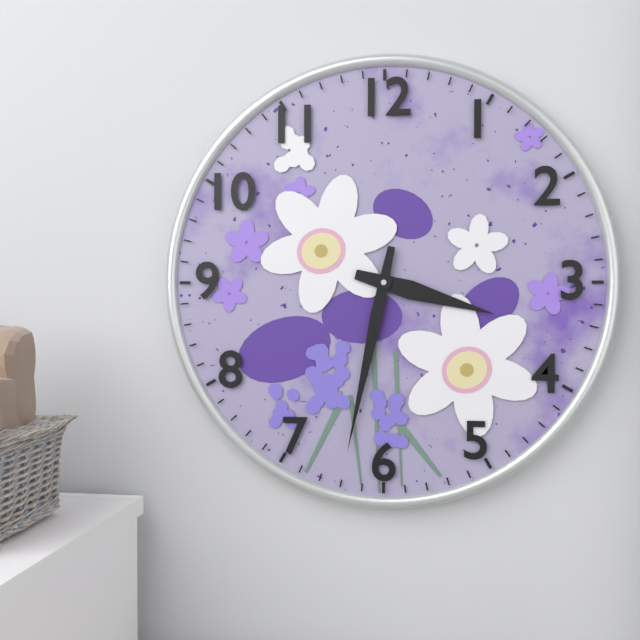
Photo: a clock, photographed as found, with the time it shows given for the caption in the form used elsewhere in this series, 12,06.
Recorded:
3,32
